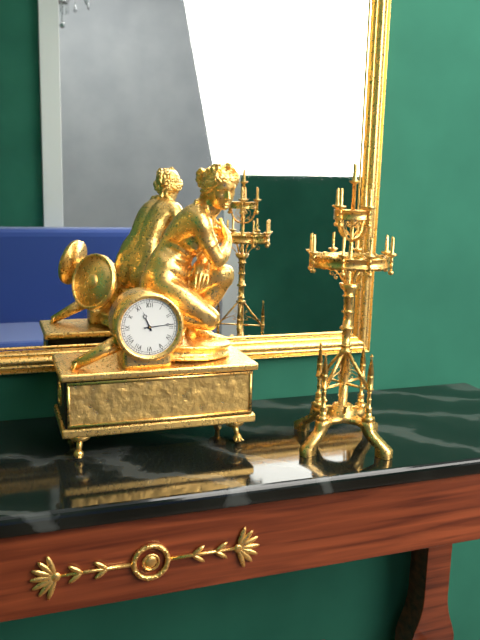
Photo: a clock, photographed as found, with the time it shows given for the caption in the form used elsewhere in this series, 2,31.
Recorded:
11,14
